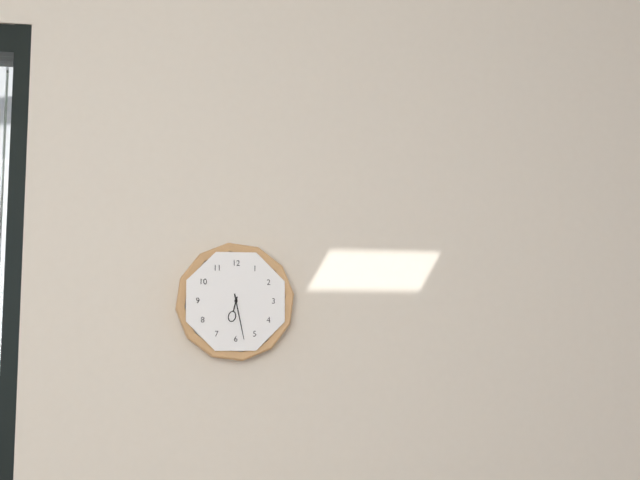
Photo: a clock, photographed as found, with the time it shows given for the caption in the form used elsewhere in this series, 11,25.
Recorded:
6,28
